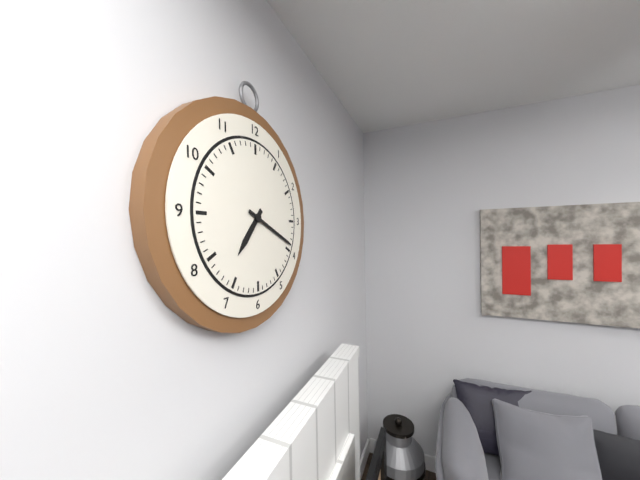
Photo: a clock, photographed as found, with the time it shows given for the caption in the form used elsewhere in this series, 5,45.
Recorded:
7,19
